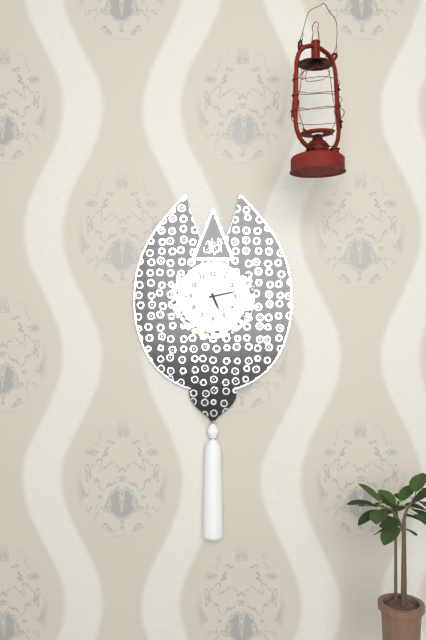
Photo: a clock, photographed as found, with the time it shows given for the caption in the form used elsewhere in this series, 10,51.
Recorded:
5,13
